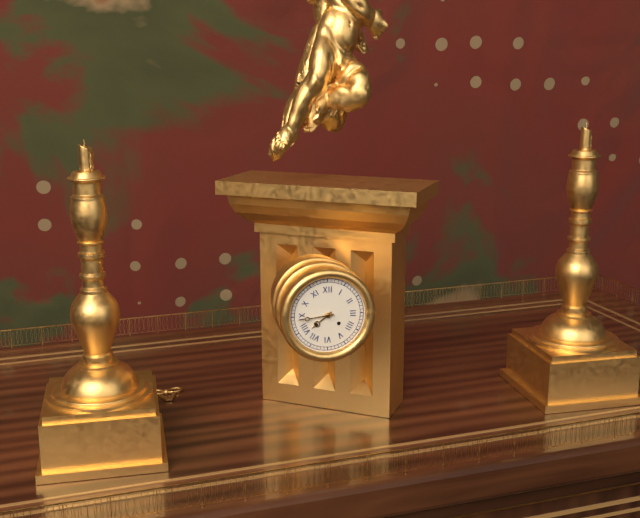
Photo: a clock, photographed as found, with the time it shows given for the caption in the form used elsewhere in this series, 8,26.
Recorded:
7,44
